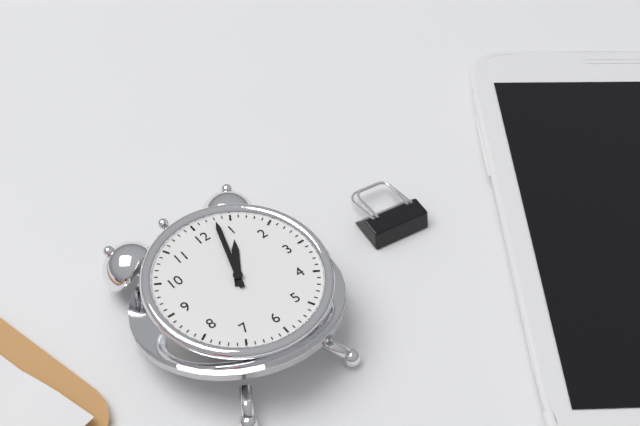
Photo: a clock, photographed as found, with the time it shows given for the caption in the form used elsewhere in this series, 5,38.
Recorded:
1,03
